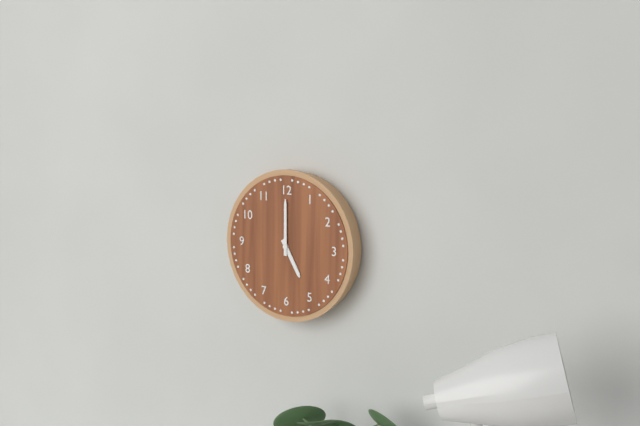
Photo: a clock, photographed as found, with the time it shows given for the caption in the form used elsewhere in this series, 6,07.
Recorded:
5,00
